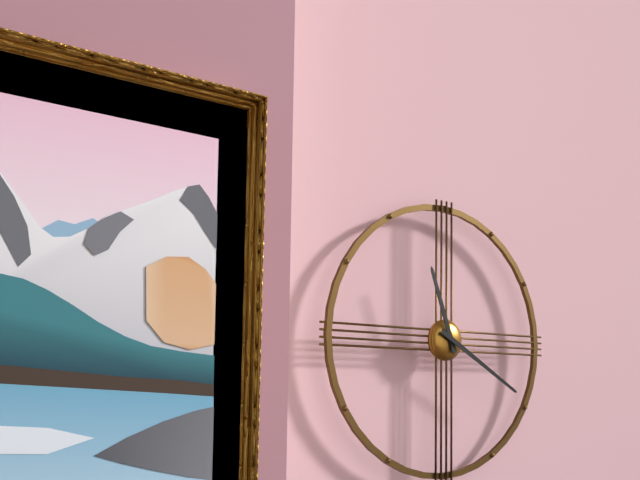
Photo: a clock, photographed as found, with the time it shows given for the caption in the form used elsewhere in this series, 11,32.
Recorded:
11,20
